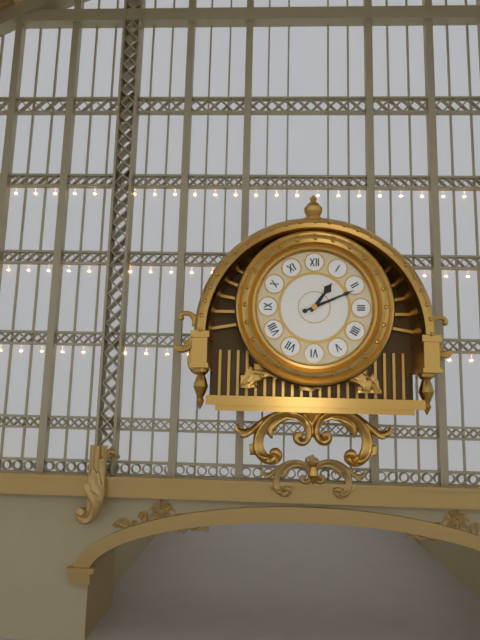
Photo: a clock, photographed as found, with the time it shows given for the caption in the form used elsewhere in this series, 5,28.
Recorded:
1,11
